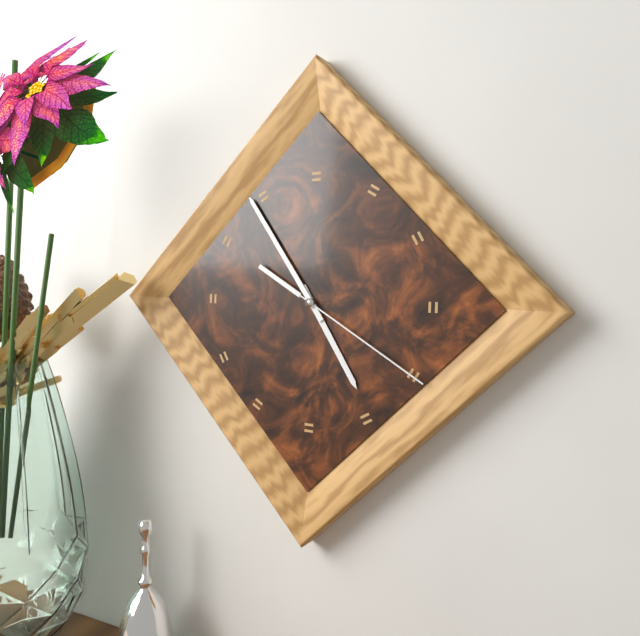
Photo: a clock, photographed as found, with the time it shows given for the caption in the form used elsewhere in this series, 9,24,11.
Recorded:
4,54,20
